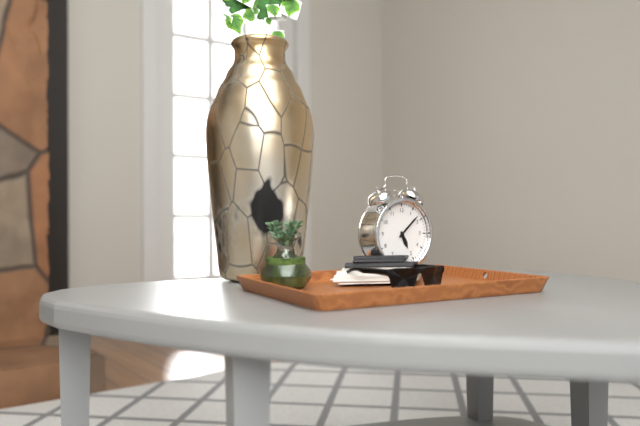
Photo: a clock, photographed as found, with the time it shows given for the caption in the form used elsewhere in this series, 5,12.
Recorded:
5,08
